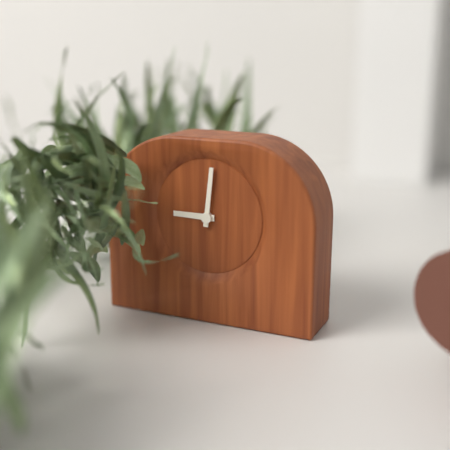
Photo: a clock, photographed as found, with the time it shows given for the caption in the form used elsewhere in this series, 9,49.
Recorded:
9,01
